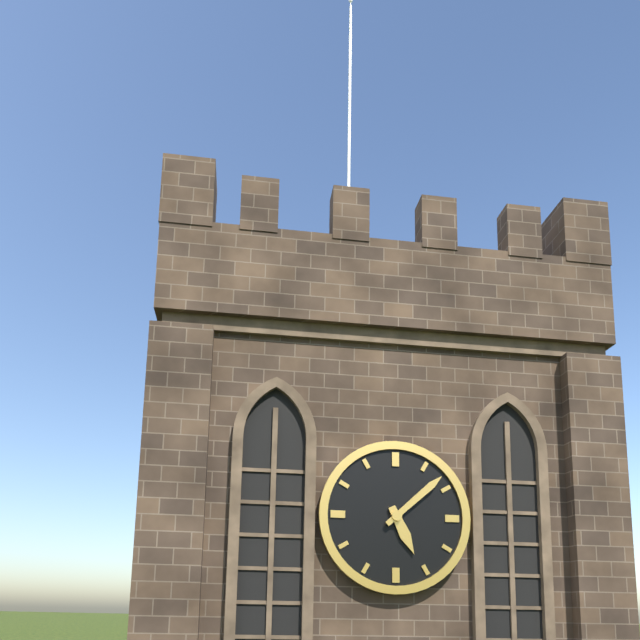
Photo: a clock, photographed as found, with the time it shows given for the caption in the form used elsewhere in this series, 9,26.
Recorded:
5,08
